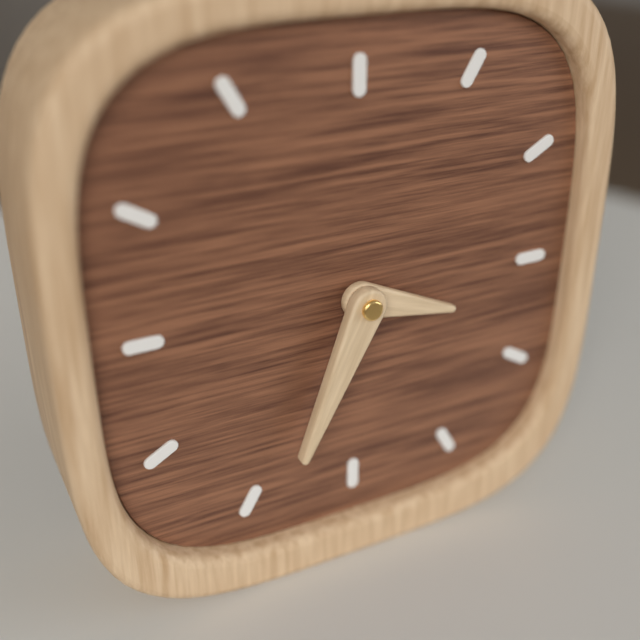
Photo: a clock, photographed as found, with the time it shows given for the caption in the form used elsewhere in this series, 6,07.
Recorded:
3,34
